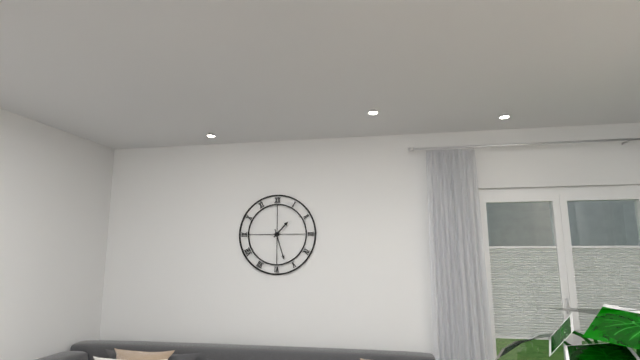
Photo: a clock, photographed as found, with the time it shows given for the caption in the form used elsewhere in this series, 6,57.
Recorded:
1,27
